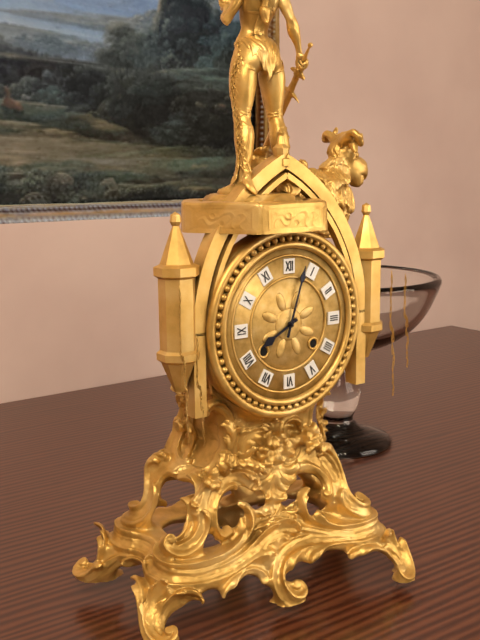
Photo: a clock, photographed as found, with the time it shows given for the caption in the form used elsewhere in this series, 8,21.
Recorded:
8,03
